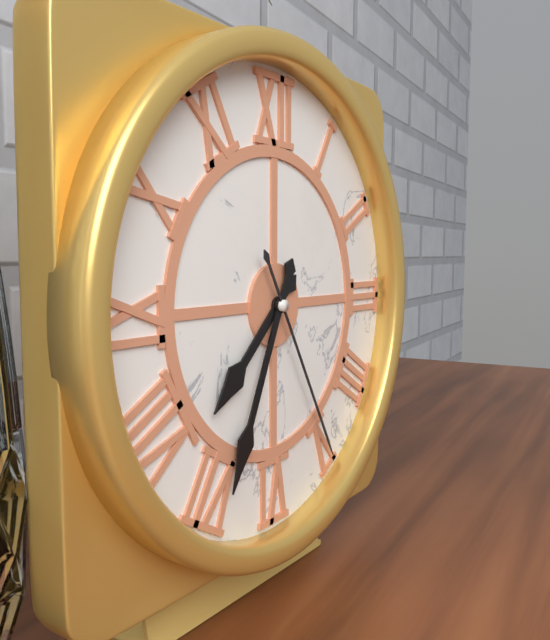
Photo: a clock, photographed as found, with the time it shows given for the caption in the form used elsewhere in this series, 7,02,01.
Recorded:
7,34,25
